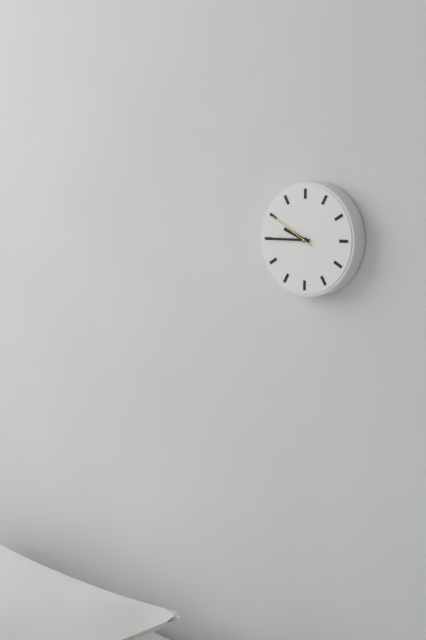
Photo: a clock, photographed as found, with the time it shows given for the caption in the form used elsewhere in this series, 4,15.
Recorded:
9,45
